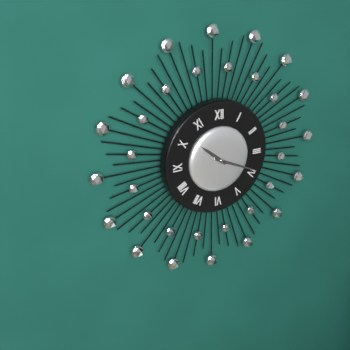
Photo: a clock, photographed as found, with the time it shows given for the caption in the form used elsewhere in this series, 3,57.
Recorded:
10,19
